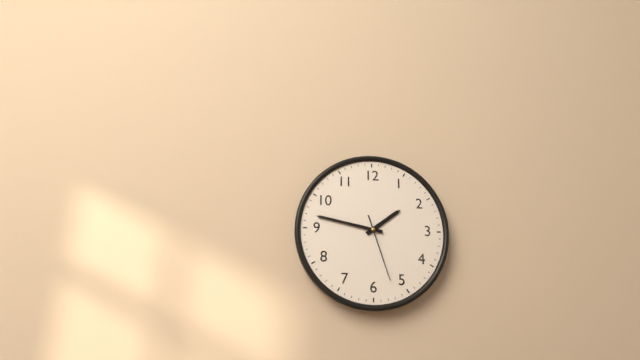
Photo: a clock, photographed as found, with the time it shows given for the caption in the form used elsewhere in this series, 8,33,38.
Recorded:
1,47,27
